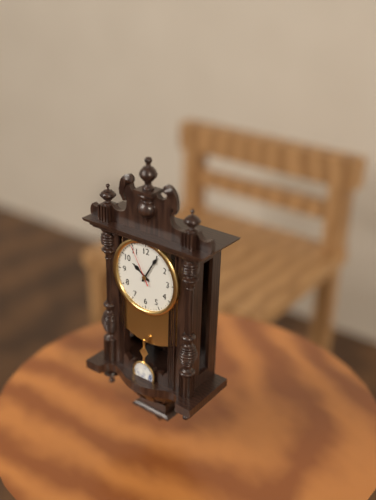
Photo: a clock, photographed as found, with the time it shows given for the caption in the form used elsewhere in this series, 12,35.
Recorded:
10,05
